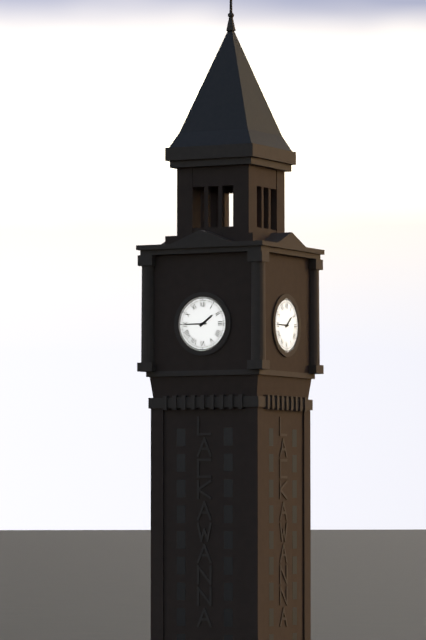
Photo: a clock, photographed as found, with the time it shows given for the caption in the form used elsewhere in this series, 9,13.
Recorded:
1,45
